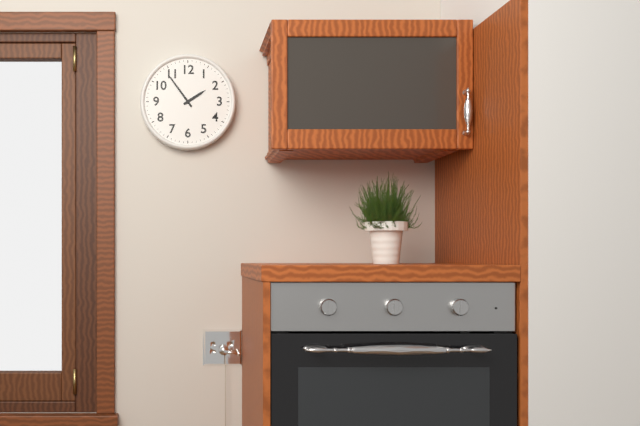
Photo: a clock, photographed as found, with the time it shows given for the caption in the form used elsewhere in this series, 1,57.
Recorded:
1,54
